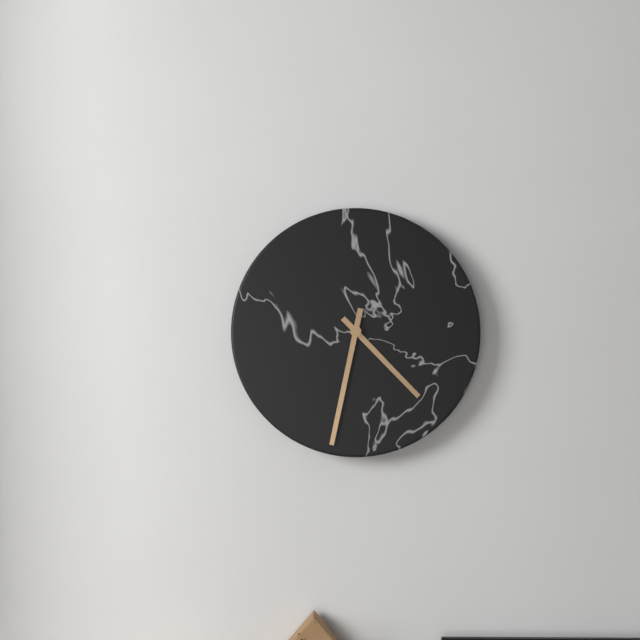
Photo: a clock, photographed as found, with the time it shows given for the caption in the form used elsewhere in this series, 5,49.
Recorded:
4,32
